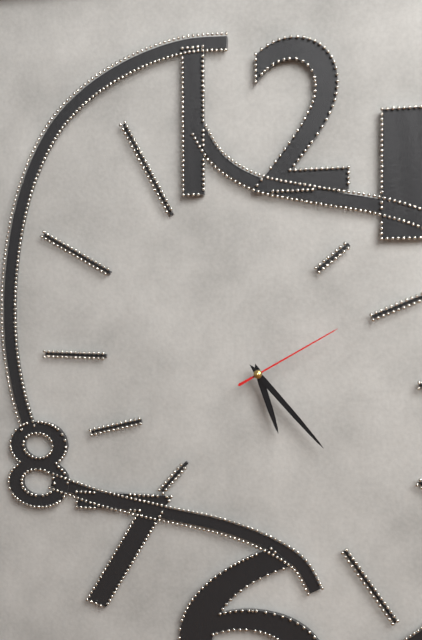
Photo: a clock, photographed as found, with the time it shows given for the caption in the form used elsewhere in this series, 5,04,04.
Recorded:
5,23,10
